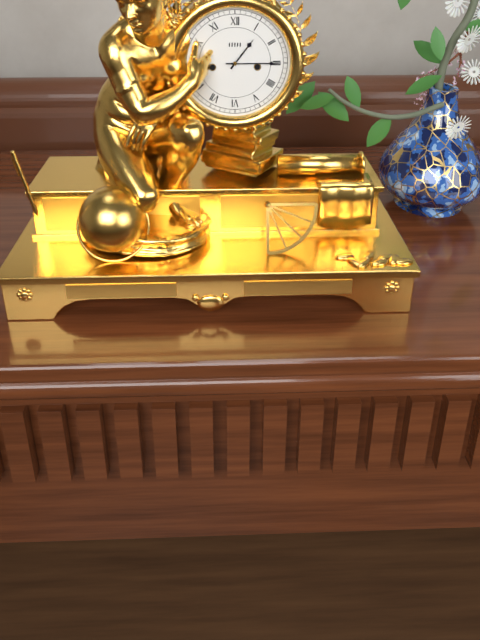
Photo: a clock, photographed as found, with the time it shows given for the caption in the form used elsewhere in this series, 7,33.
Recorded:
1,15
